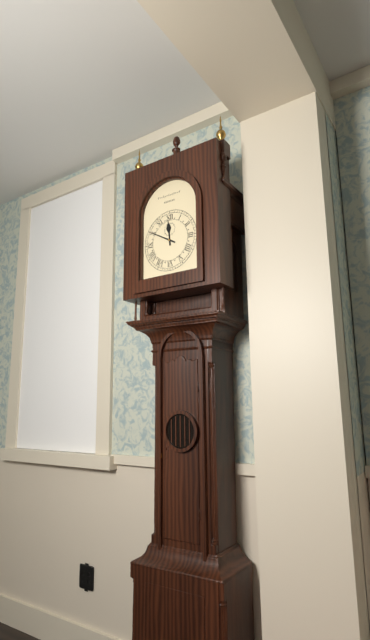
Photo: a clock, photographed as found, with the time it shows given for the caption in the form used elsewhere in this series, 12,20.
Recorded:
11,50
